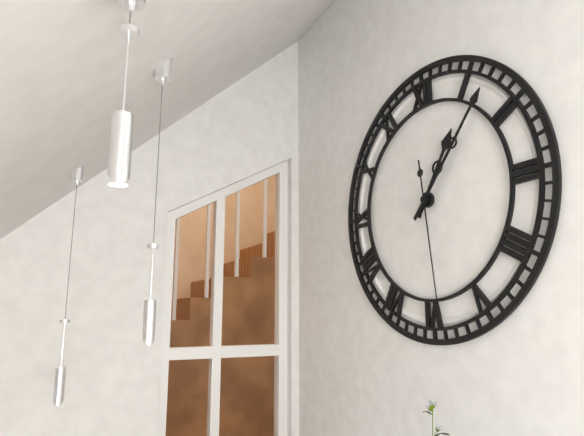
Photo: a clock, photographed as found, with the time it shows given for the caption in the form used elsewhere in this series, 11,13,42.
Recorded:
1,07,29
